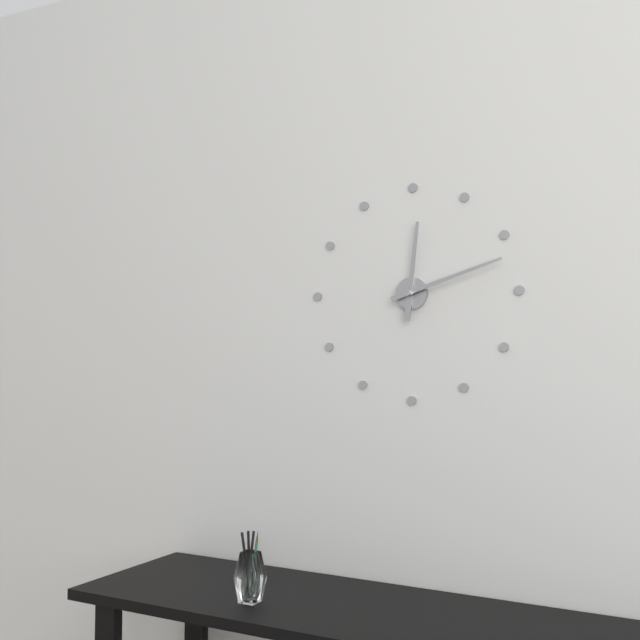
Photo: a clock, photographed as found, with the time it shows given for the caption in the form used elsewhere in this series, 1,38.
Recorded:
12,12
